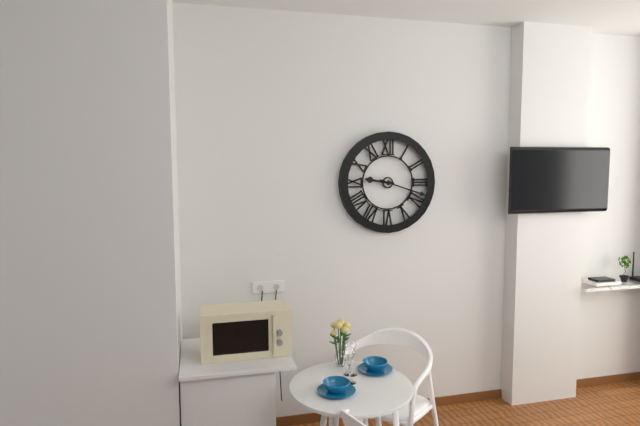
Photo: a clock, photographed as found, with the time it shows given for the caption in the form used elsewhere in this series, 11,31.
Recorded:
9,18
